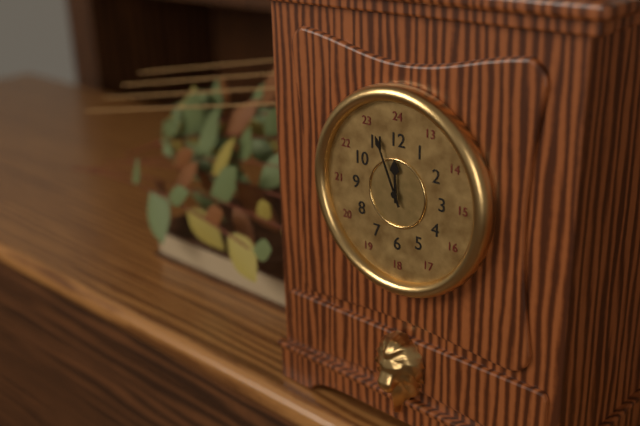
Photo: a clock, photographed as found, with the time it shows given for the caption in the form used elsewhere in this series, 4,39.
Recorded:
11,56
